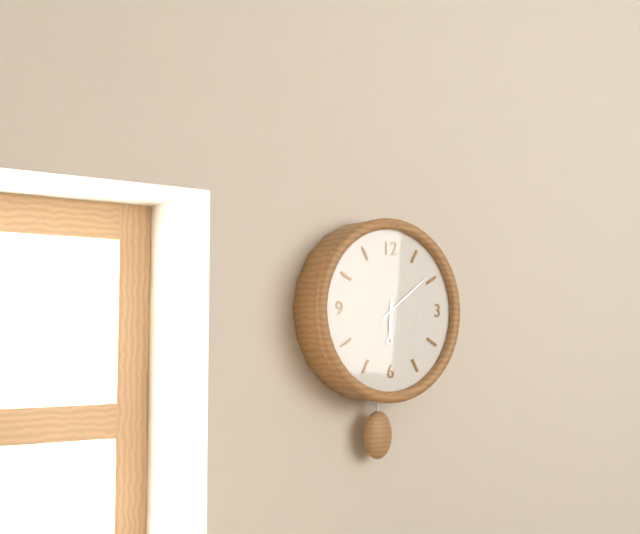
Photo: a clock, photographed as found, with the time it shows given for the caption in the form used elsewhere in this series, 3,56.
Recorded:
6,09
